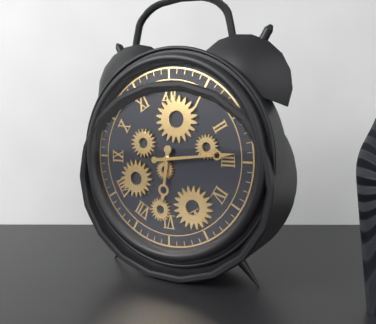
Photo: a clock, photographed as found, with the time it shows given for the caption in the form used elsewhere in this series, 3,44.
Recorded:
6,14
